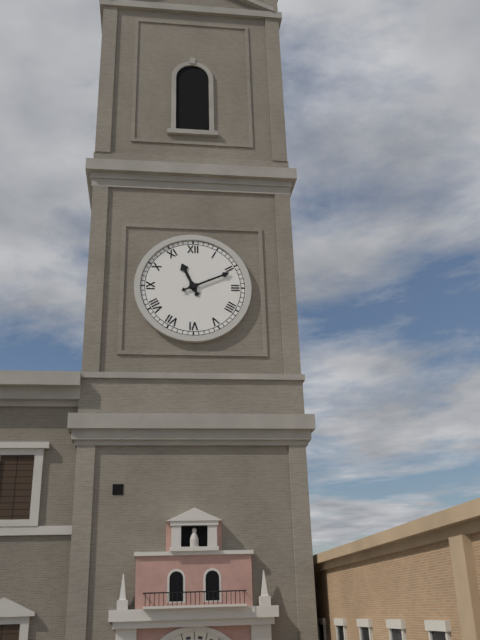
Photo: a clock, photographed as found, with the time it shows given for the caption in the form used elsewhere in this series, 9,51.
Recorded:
11,11
